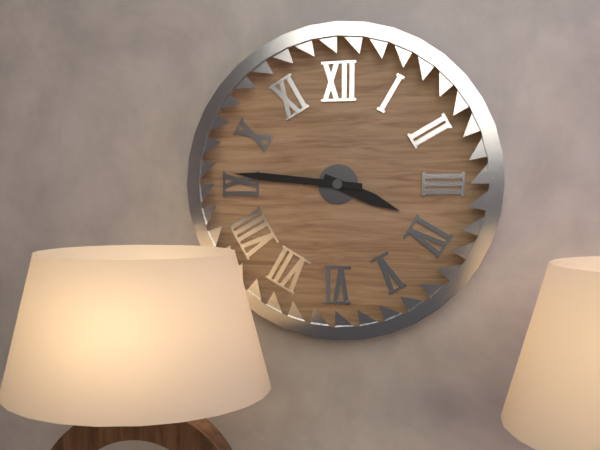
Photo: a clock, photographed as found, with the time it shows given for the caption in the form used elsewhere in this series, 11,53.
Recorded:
3,46
